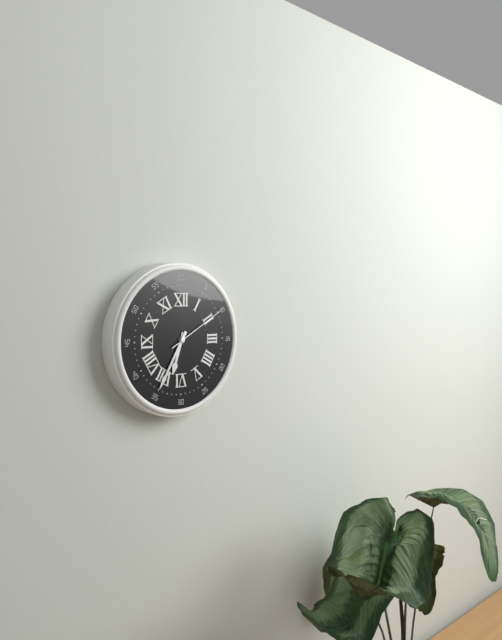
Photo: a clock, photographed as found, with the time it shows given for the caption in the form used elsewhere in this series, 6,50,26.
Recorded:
6,35,10
